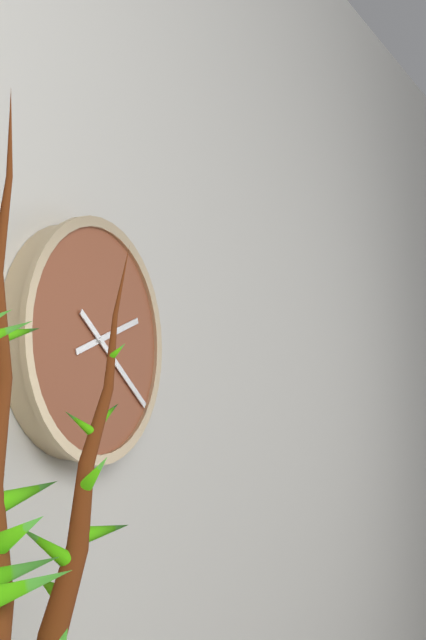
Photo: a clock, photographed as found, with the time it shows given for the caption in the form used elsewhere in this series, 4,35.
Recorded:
2,21
